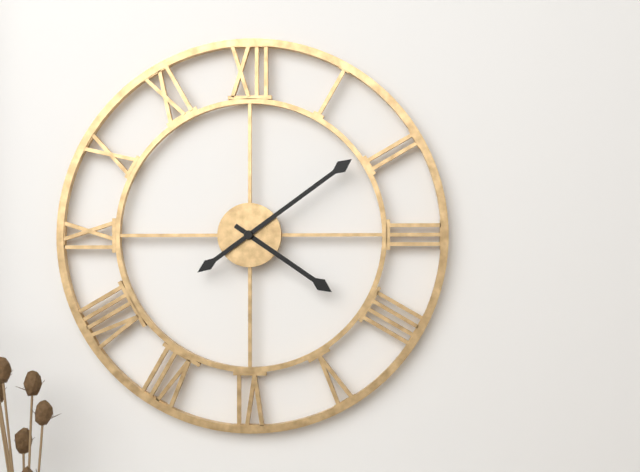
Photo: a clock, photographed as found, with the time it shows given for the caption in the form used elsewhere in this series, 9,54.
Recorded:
4,09
